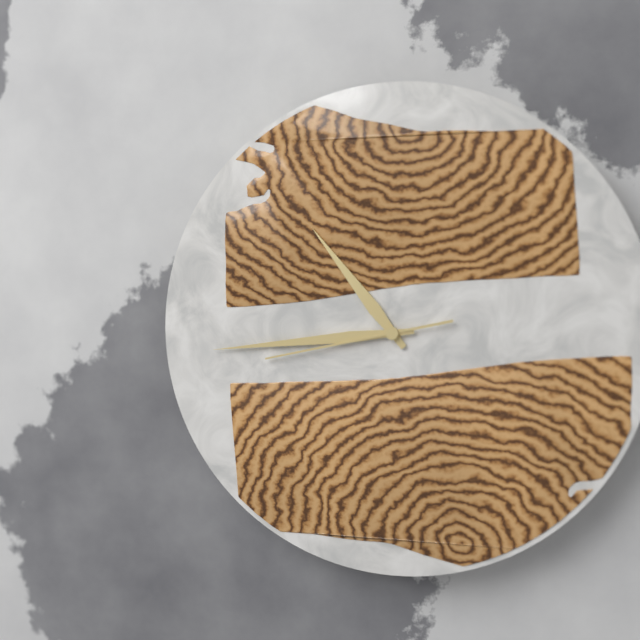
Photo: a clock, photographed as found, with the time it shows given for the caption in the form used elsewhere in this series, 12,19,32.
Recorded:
10,44,43
